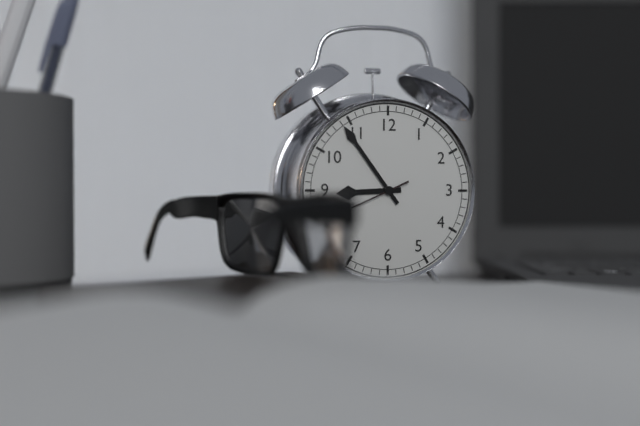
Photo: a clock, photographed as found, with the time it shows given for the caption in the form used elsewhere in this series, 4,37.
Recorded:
8,54
